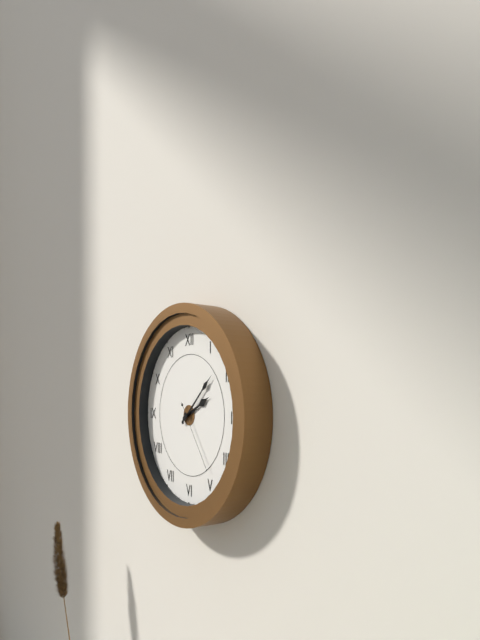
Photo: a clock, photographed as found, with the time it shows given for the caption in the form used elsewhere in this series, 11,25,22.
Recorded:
2,08,24
